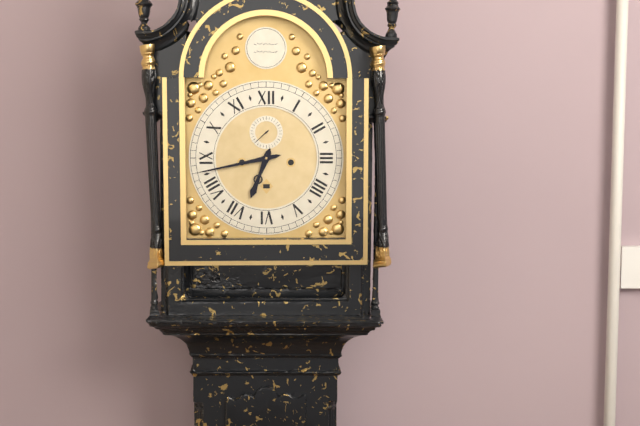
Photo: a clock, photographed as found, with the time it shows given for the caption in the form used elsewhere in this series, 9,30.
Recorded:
6,43
